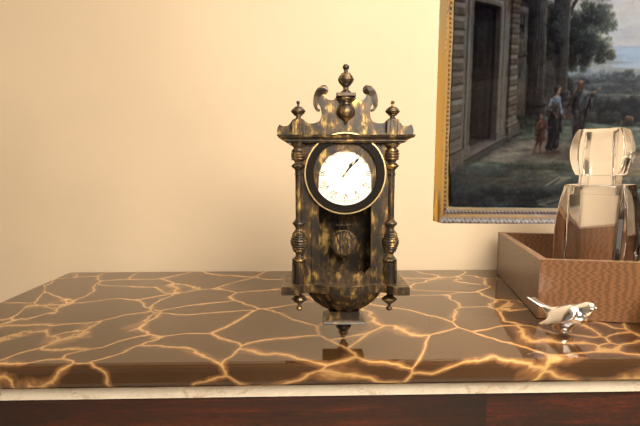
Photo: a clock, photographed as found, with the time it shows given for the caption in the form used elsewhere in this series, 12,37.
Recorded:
1,07
